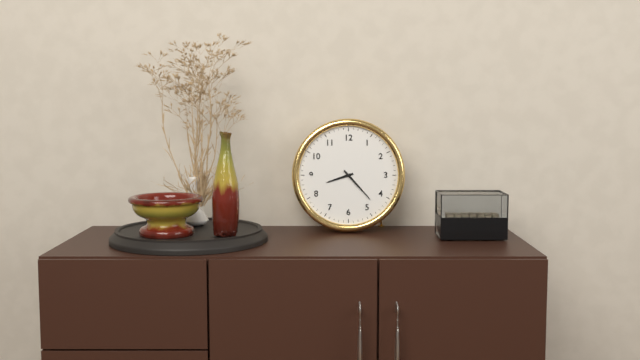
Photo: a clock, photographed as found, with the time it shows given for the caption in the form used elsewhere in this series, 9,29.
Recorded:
8,23
